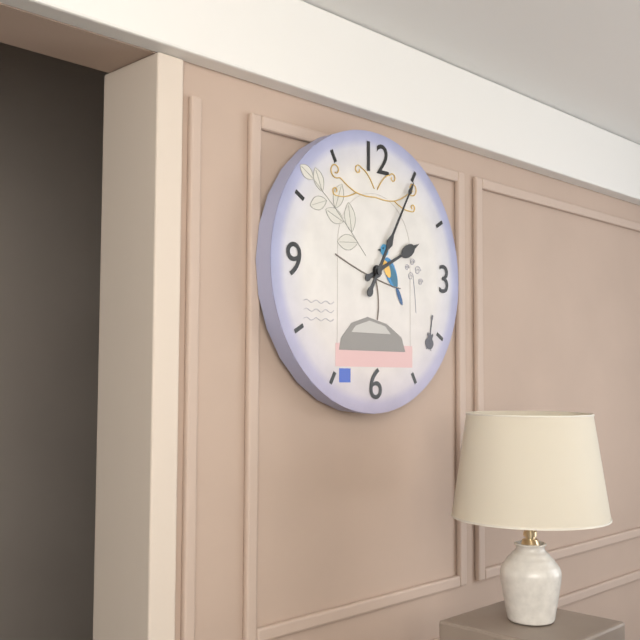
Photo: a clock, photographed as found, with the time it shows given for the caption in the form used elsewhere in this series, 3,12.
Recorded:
2,05
